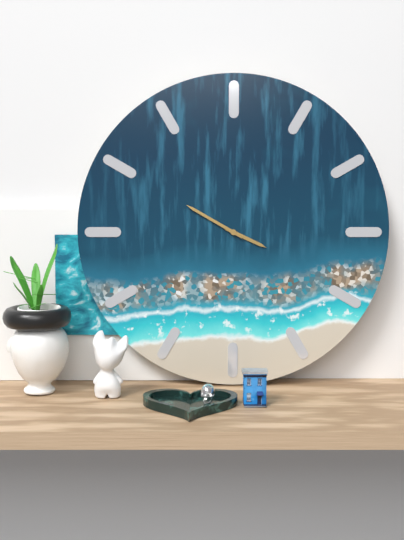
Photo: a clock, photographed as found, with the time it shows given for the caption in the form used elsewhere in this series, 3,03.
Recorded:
3,50
